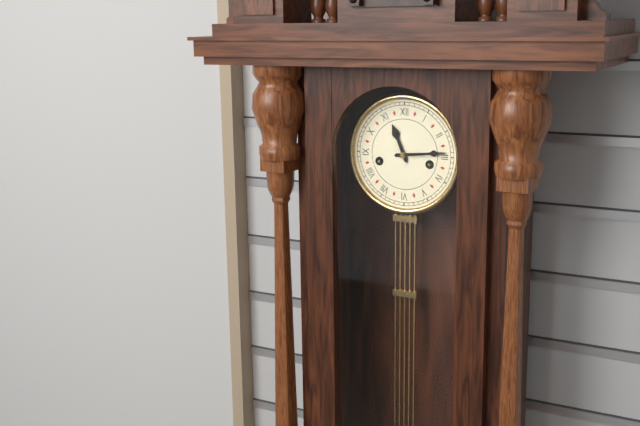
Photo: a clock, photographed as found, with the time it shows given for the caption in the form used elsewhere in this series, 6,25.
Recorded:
11,14
